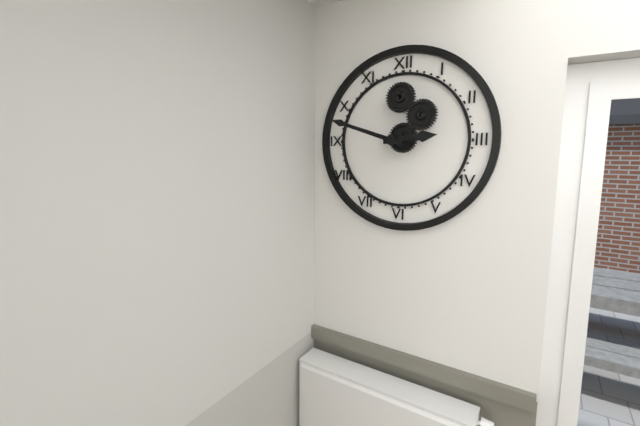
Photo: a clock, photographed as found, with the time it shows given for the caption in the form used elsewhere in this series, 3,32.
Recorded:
2,48
